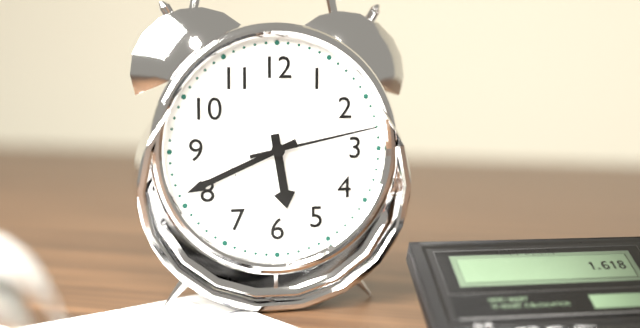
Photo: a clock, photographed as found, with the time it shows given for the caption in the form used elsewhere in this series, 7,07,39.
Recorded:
5,41,13
